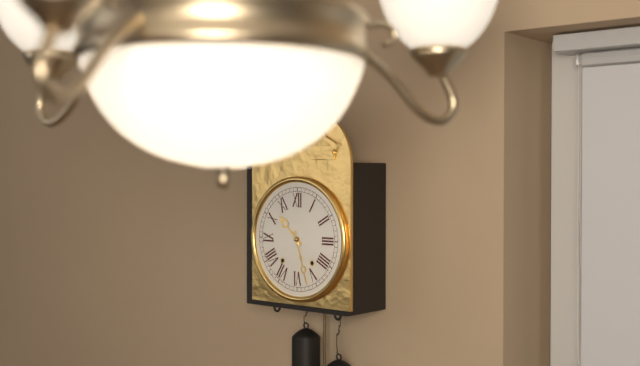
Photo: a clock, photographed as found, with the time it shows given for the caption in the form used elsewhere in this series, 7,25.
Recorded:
10,27
